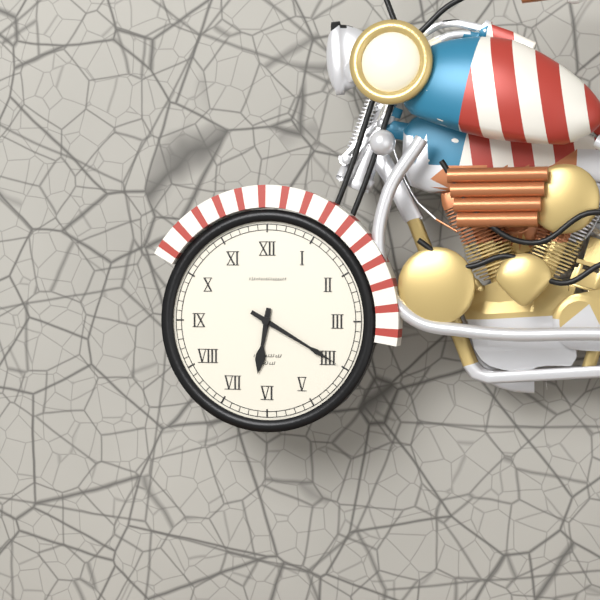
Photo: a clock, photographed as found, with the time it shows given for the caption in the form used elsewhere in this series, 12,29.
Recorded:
6,20
